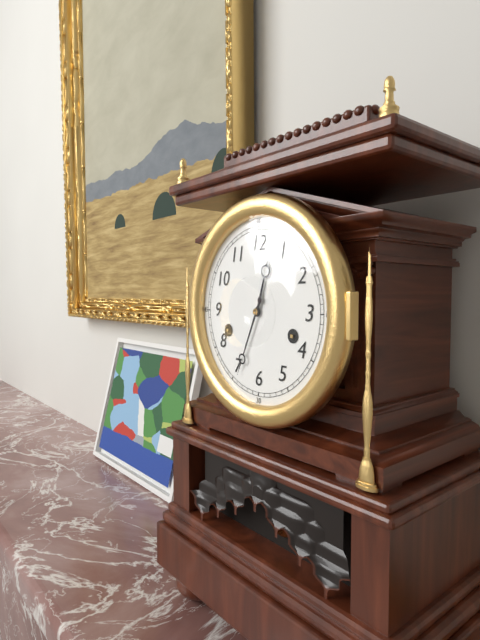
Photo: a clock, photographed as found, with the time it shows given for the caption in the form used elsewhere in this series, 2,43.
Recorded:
12,34
